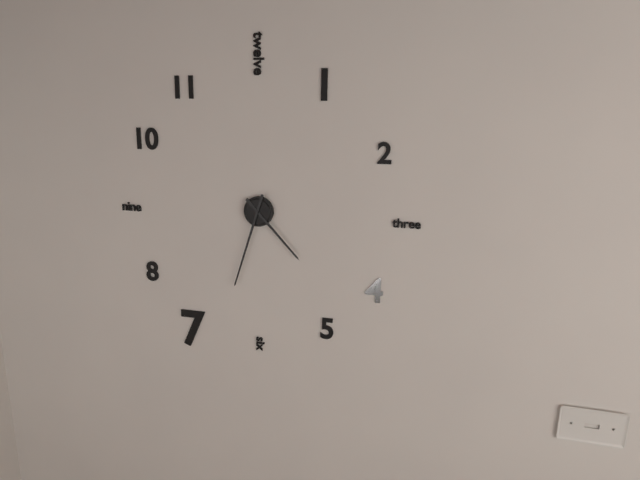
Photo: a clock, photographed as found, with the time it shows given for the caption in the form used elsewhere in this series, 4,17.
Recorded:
4,33
